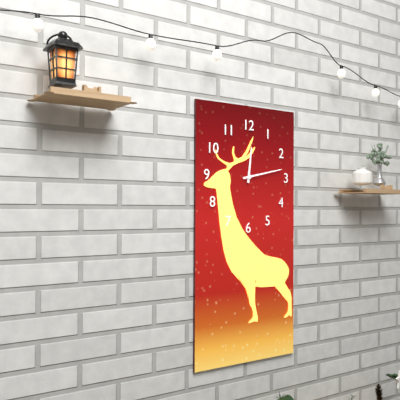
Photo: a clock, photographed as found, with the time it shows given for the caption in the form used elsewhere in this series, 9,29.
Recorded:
12,13
